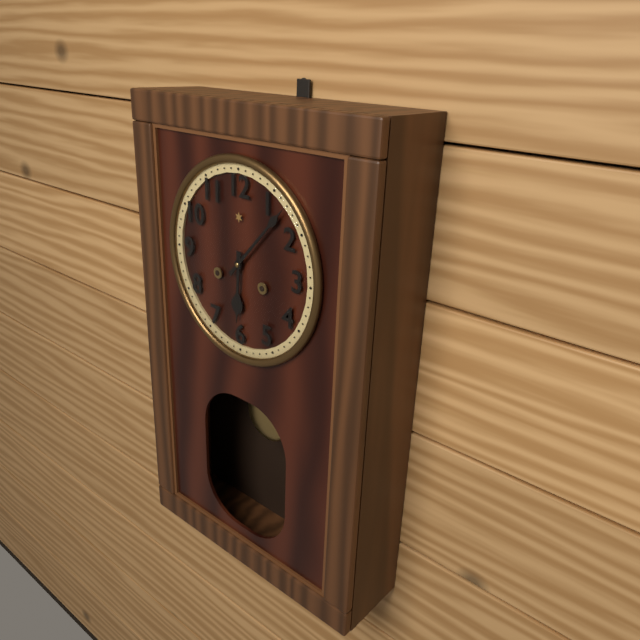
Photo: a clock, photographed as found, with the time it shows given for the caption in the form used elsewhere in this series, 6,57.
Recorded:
6,07
